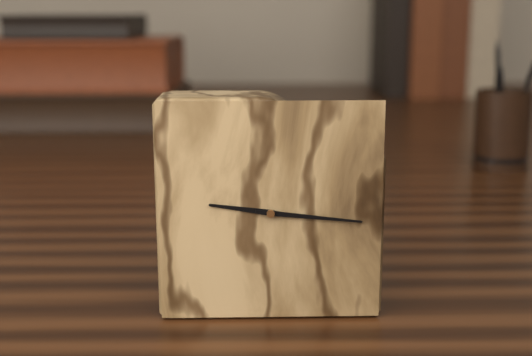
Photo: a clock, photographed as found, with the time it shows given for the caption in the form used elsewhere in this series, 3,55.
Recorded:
9,16
